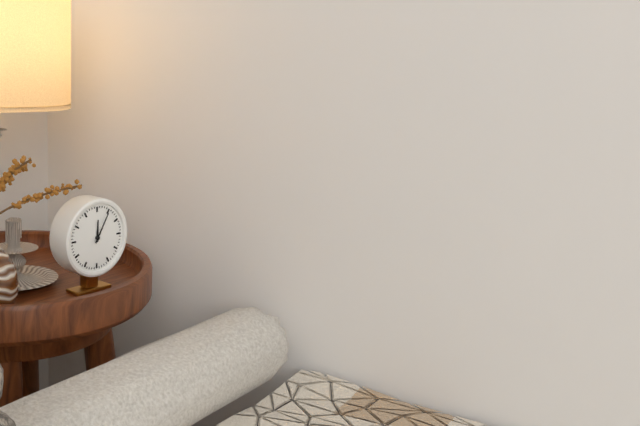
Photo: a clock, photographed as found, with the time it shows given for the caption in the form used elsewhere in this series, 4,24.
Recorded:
12,05
